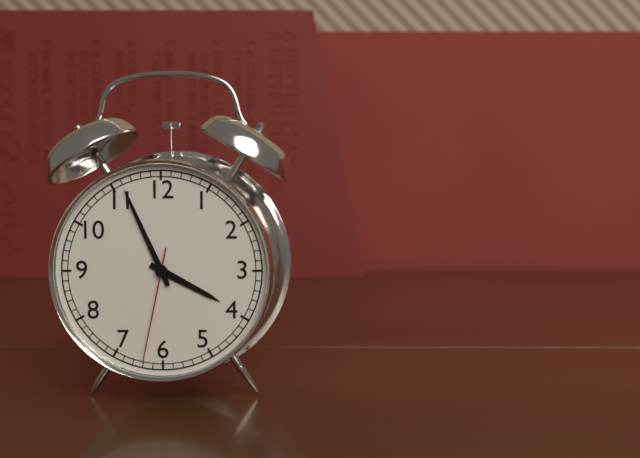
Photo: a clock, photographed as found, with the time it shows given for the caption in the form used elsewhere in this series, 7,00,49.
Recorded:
3,56,32
